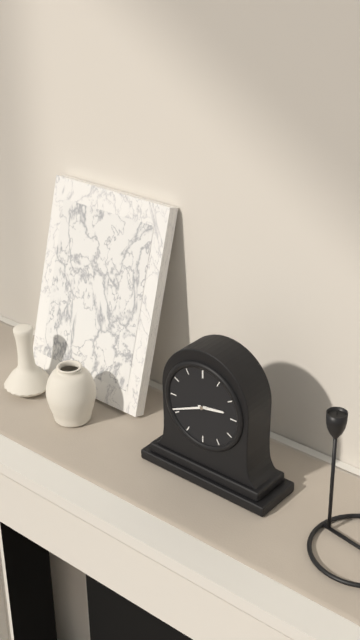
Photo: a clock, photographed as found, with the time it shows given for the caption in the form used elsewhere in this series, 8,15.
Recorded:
2,41
